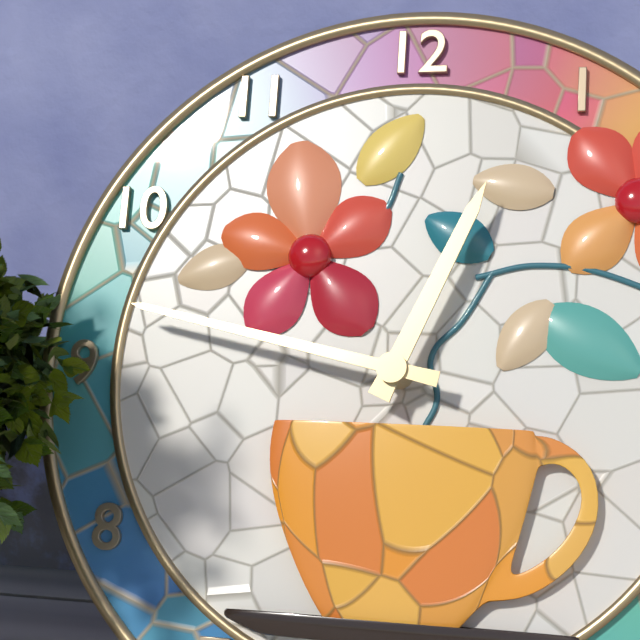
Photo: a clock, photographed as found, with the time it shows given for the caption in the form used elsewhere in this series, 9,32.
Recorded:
12,47
